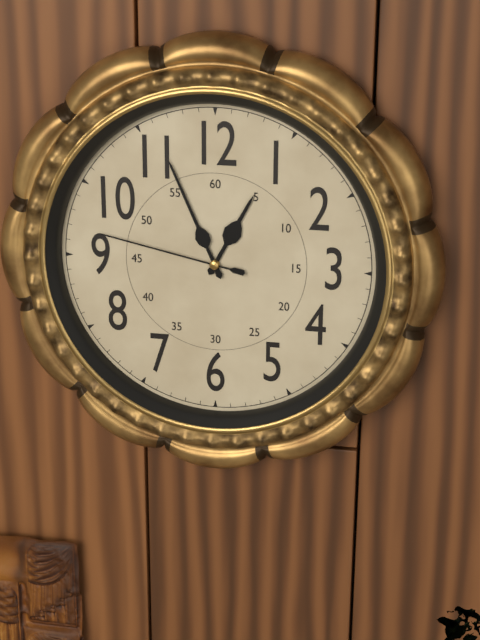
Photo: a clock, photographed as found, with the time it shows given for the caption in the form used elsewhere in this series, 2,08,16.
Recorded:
12,56,47
